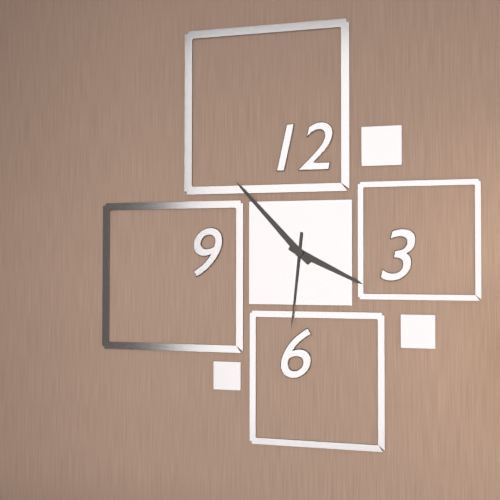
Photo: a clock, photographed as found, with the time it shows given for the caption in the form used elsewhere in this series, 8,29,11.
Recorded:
3,53,31
